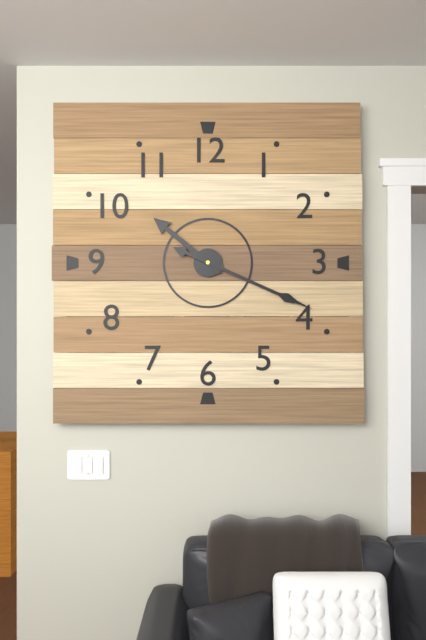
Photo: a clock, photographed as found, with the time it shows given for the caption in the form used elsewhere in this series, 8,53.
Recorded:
10,19
